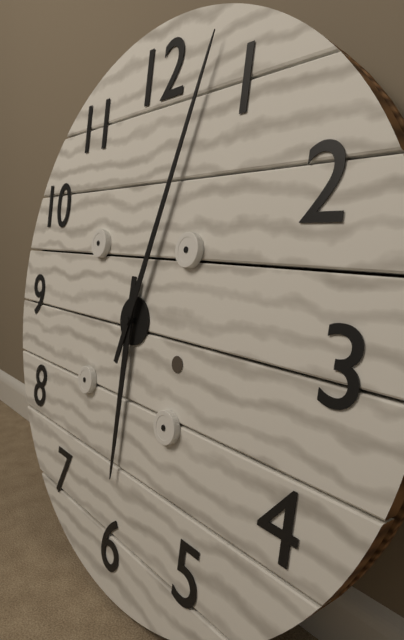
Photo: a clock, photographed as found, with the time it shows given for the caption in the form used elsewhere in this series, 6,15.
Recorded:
6,03
